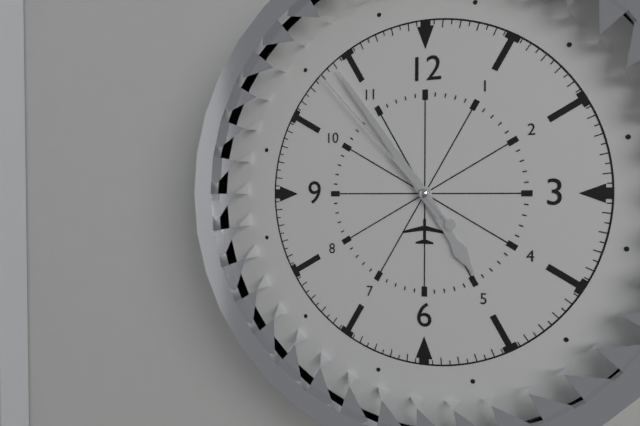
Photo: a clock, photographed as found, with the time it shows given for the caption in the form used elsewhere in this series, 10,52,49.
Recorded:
4,54,53
